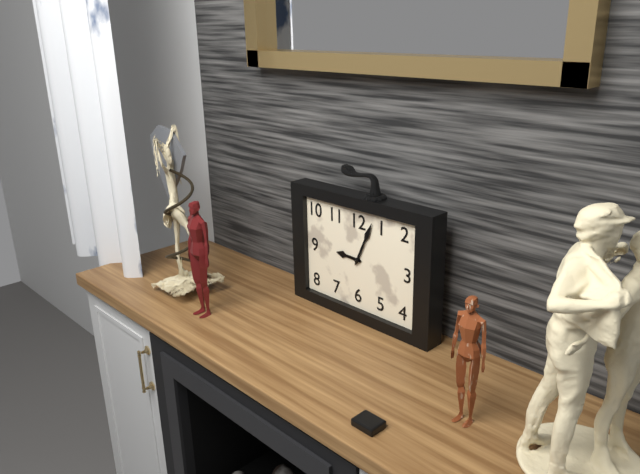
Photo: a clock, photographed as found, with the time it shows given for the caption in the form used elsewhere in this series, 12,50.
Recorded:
9,04
